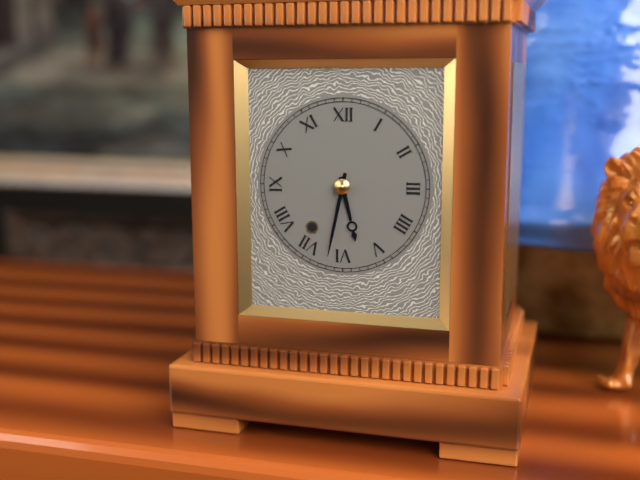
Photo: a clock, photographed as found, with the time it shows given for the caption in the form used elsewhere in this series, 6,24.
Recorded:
5,32
